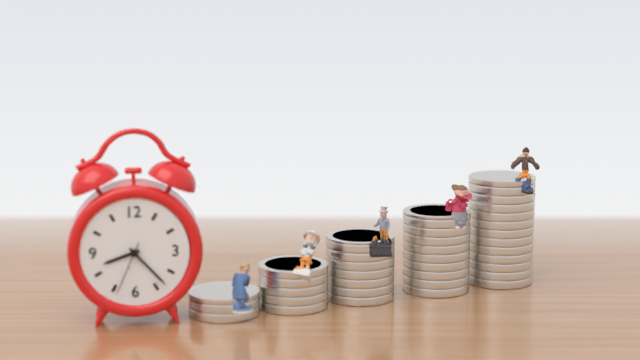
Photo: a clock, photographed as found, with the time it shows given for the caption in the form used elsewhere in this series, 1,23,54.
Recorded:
8,23,34
